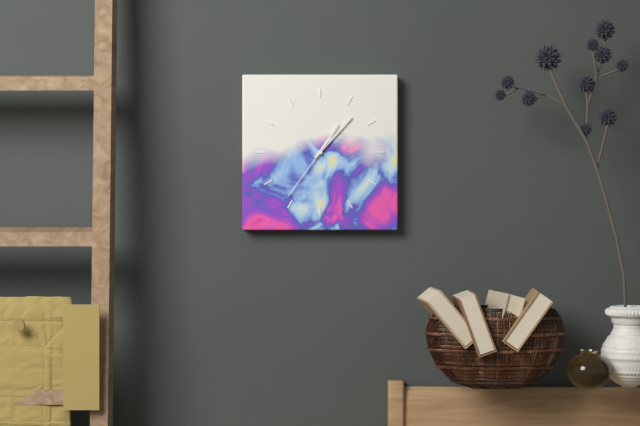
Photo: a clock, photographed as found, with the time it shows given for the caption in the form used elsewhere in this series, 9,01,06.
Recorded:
1,07,36
